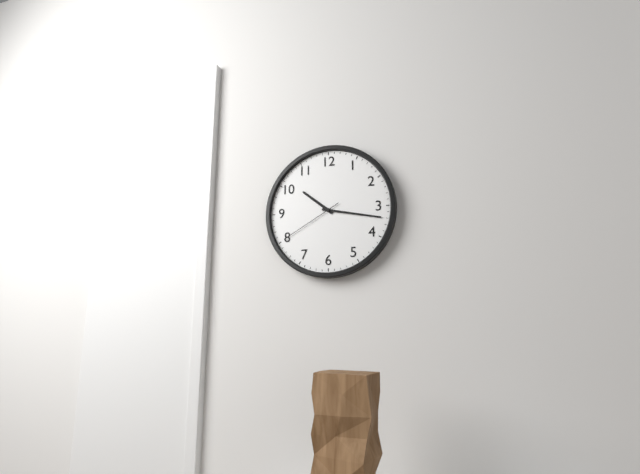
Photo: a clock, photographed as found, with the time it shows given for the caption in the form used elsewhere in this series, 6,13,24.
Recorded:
10,17,40
